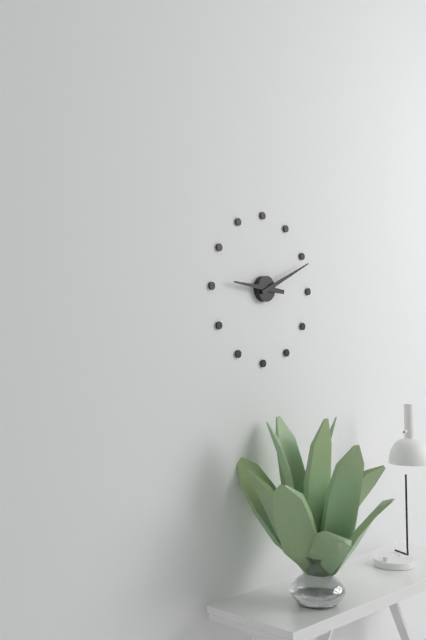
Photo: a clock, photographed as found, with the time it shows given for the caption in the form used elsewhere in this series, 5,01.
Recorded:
9,11
